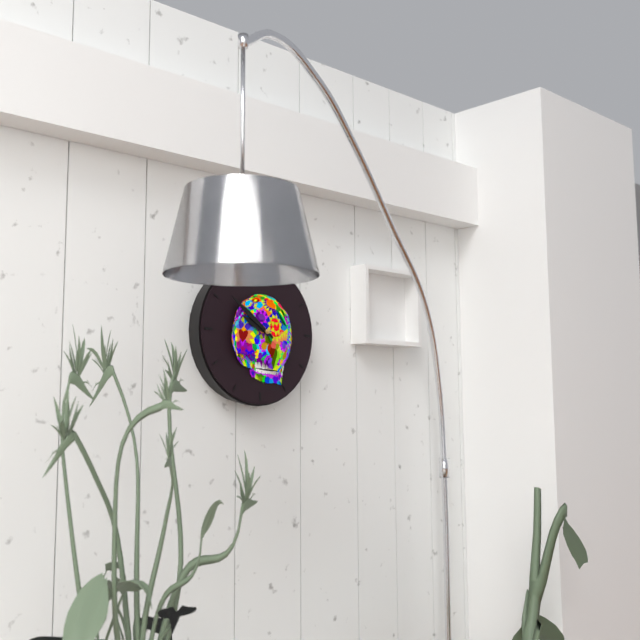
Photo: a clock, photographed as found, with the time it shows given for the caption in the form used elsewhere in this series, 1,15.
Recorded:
9,51
